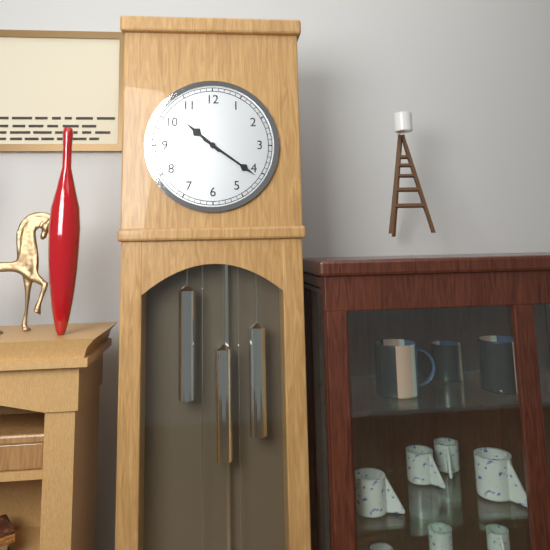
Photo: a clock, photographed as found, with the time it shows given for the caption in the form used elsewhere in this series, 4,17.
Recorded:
10,21
